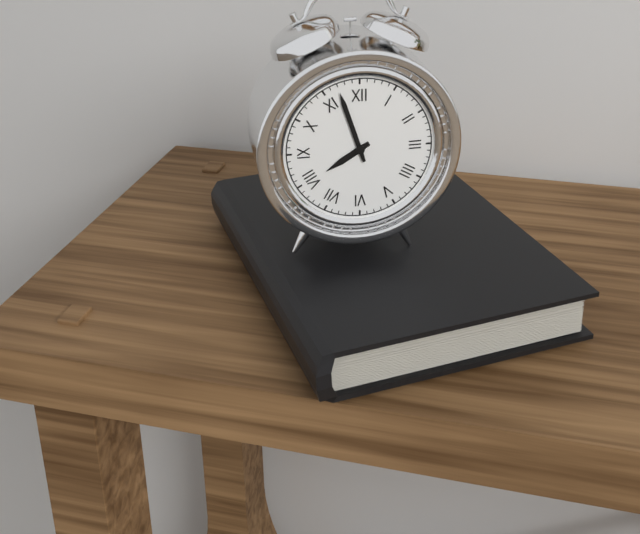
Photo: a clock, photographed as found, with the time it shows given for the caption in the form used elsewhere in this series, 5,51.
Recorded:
7,57
